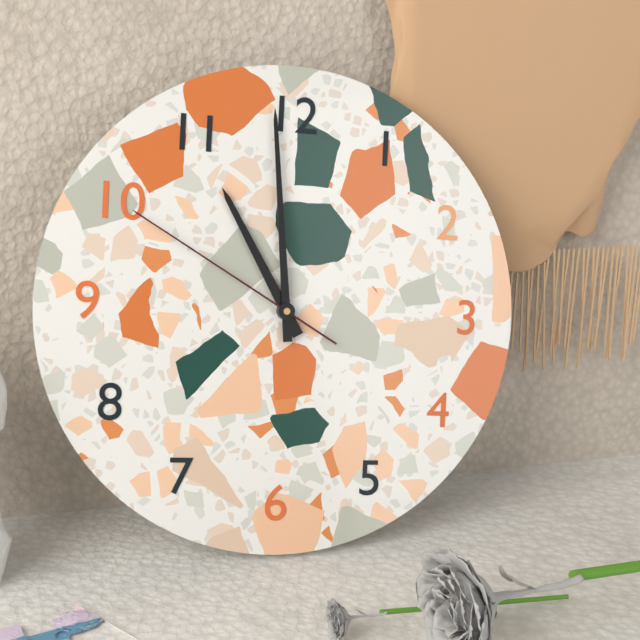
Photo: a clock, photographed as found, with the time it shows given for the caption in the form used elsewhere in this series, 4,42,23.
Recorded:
10,59,50
